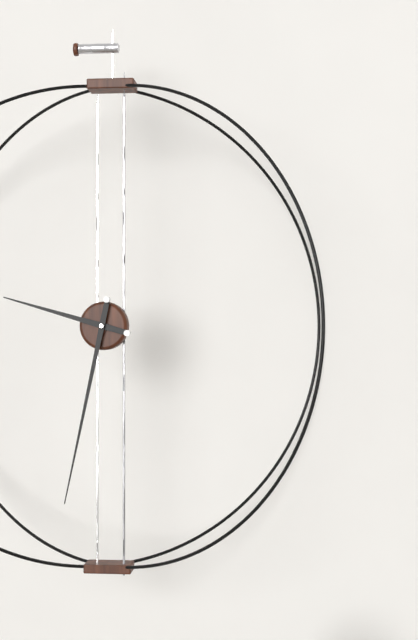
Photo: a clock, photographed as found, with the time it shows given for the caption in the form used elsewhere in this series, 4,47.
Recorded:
9,32
